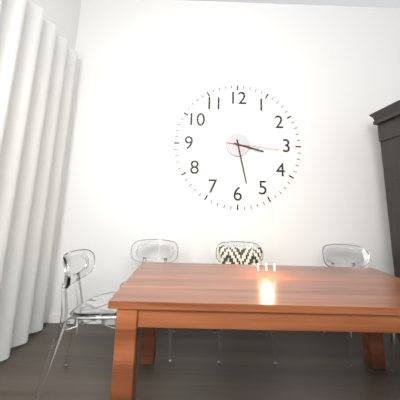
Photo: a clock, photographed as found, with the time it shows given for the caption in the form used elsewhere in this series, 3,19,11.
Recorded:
3,28,16
